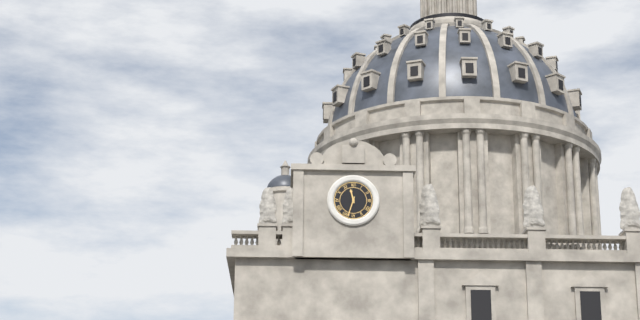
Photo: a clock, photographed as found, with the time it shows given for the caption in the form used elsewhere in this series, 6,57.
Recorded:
11,33
